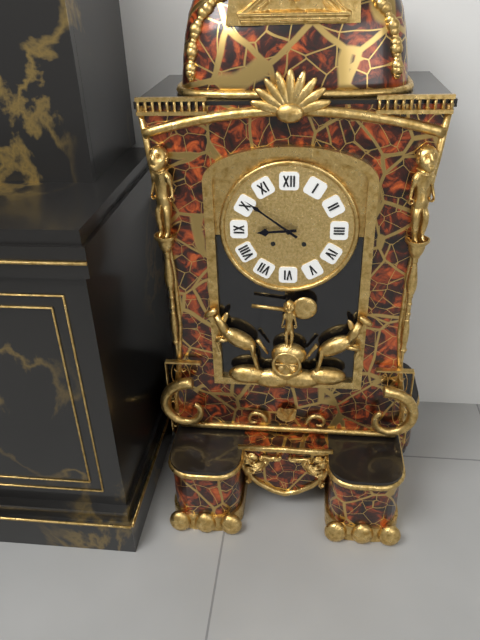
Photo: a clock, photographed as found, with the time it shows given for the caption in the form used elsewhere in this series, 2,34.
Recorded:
8,51
